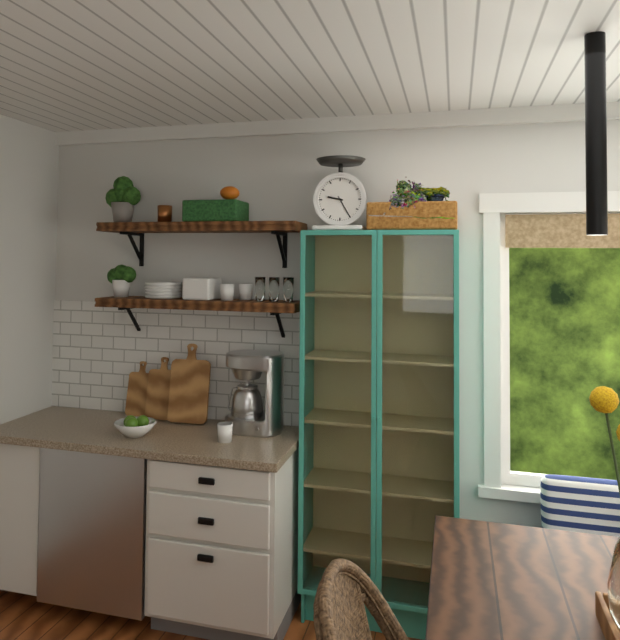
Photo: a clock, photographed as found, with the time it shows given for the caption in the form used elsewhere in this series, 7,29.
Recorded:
9,25
